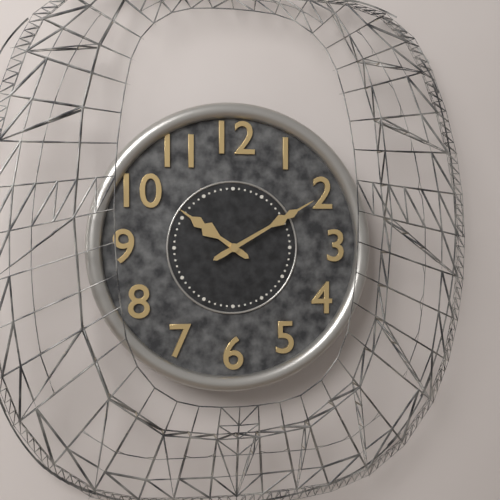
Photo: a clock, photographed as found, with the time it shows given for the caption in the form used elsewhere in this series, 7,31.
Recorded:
10,10
